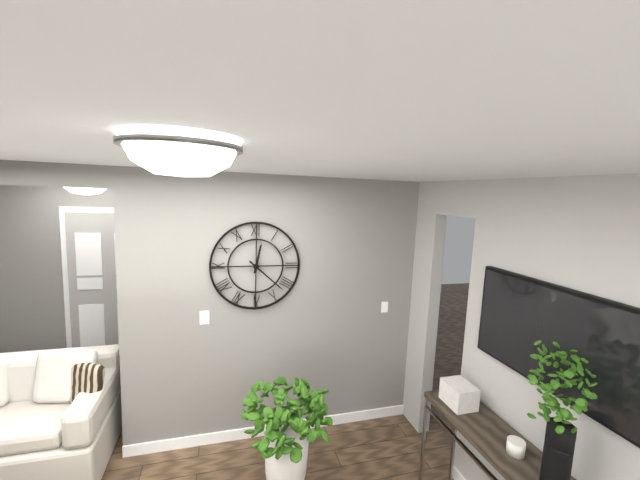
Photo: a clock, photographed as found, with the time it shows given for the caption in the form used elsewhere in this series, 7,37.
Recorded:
12,22
